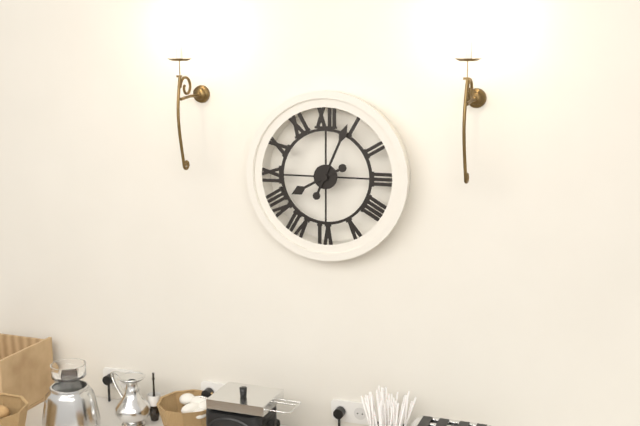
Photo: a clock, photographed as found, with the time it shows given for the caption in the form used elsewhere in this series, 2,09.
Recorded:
8,04
